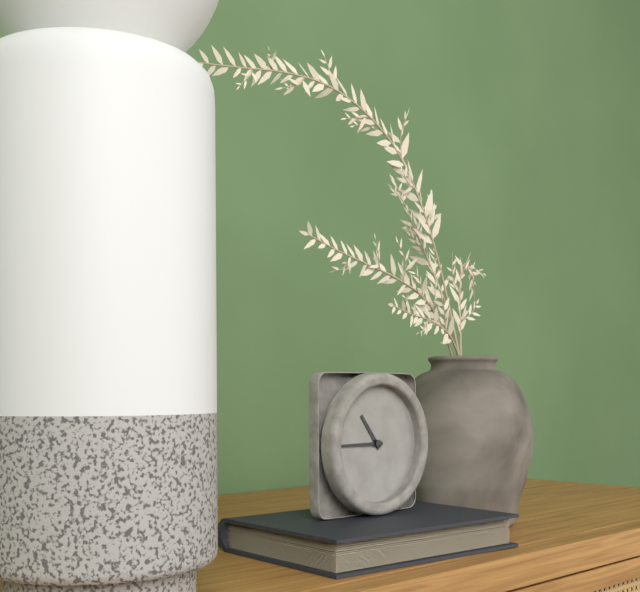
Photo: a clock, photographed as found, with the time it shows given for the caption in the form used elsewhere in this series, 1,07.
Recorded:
10,45
